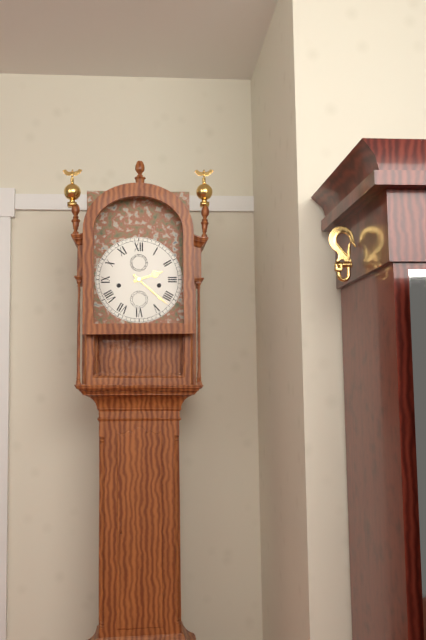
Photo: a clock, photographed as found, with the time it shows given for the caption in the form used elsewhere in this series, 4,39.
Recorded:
2,22
